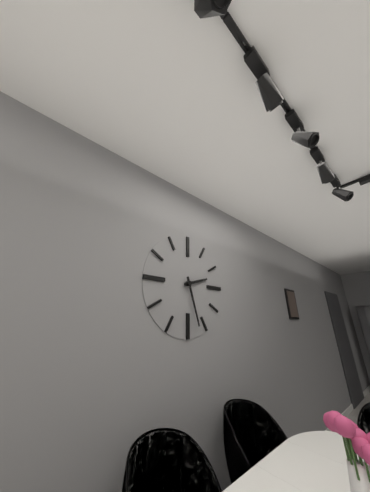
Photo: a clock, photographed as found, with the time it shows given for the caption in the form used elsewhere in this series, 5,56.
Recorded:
2,27
